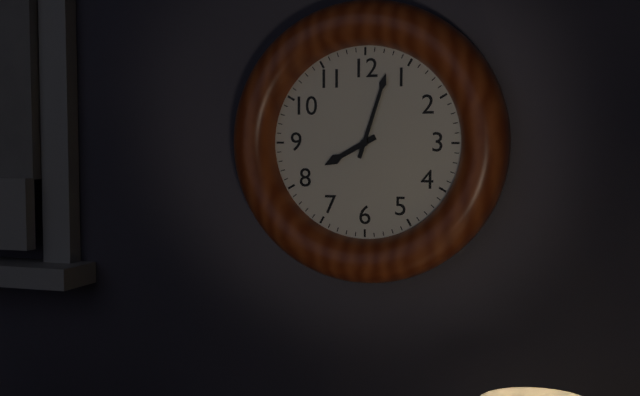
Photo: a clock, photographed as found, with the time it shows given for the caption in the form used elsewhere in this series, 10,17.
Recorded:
8,03
